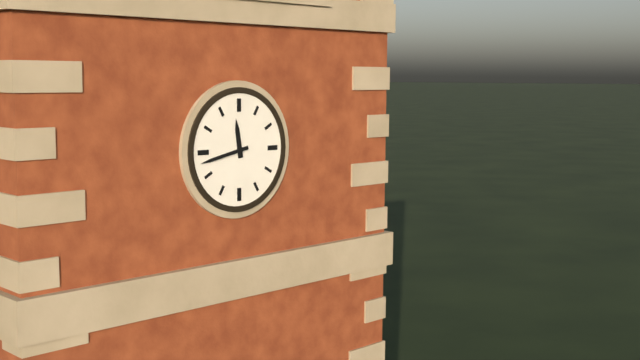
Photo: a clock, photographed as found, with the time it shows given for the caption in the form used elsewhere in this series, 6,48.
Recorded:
11,43
